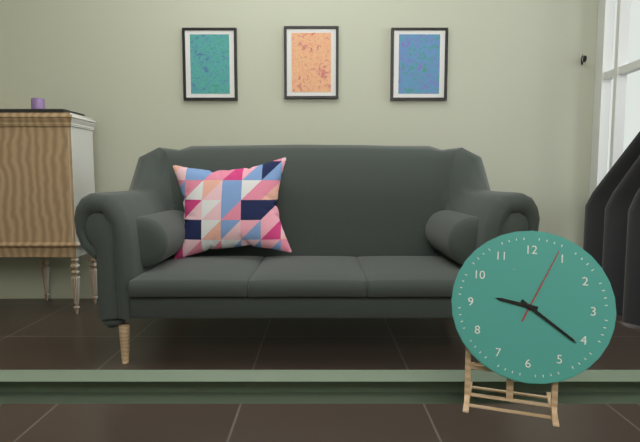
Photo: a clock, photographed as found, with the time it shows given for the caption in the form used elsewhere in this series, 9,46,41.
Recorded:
9,21,04
